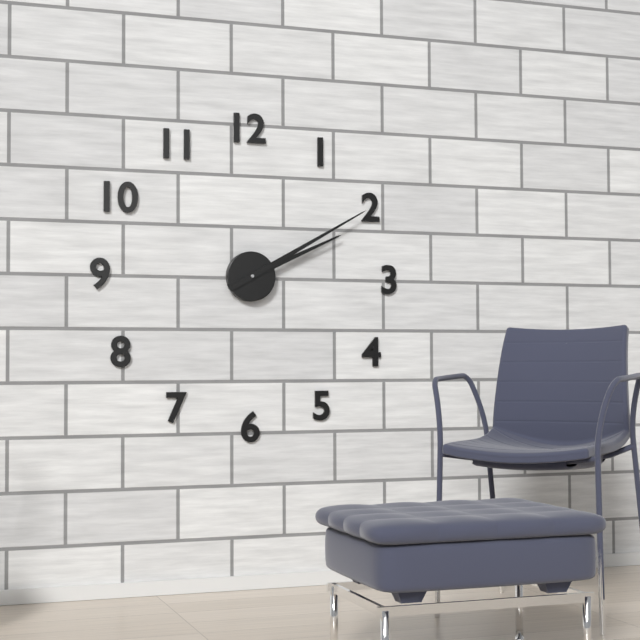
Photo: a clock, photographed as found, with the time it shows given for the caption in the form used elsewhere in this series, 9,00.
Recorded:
2,10
